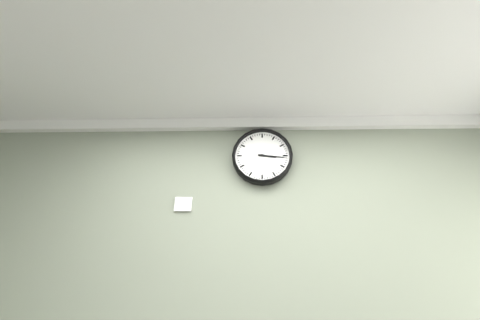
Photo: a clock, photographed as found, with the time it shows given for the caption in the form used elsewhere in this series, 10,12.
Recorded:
3,16
